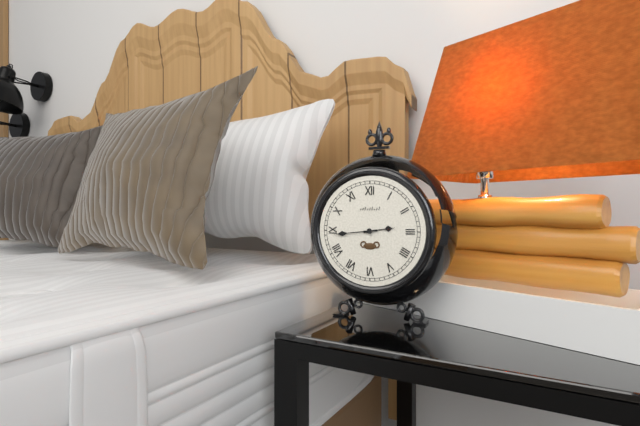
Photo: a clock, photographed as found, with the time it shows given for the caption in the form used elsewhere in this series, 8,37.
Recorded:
2,44
